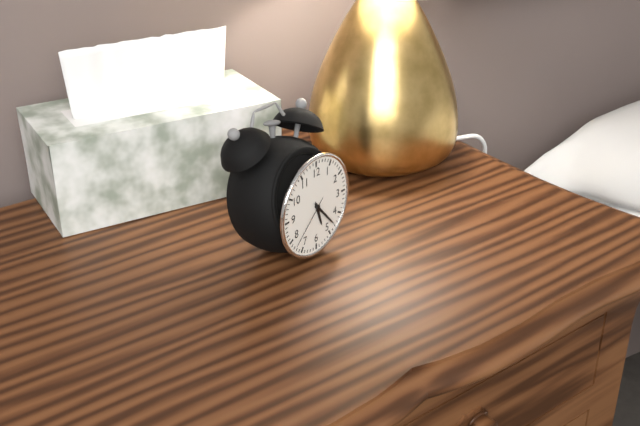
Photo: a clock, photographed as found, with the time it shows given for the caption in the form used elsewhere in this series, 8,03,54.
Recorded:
5,23,38
